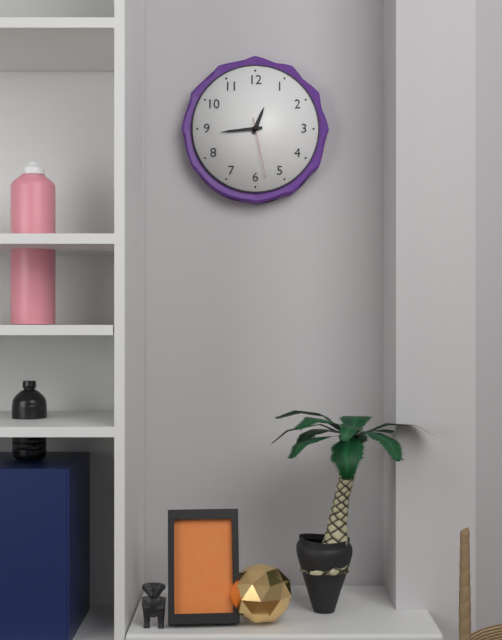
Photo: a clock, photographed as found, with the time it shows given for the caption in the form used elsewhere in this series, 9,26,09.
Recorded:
12,44,28
